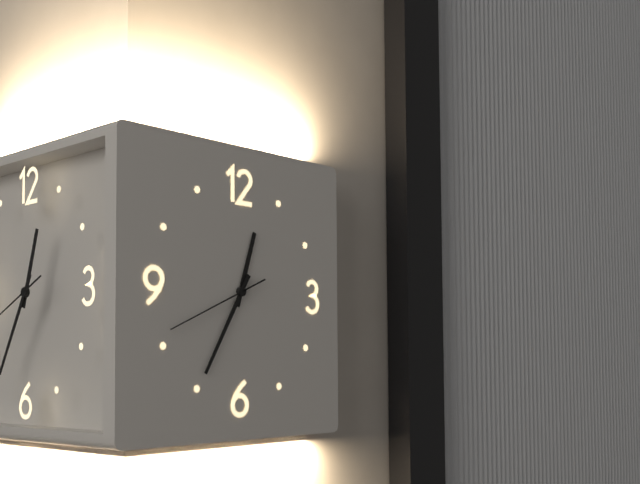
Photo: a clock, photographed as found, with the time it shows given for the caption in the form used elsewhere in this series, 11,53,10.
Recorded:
12,35,41
